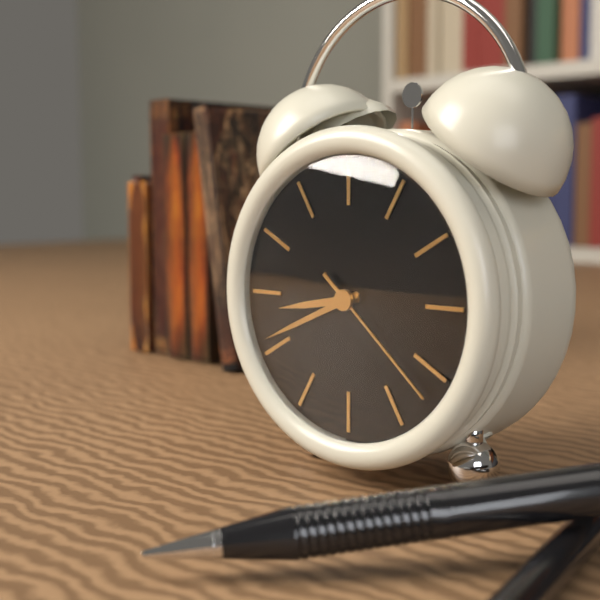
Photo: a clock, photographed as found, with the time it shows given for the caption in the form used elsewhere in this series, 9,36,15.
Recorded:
8,41,22
